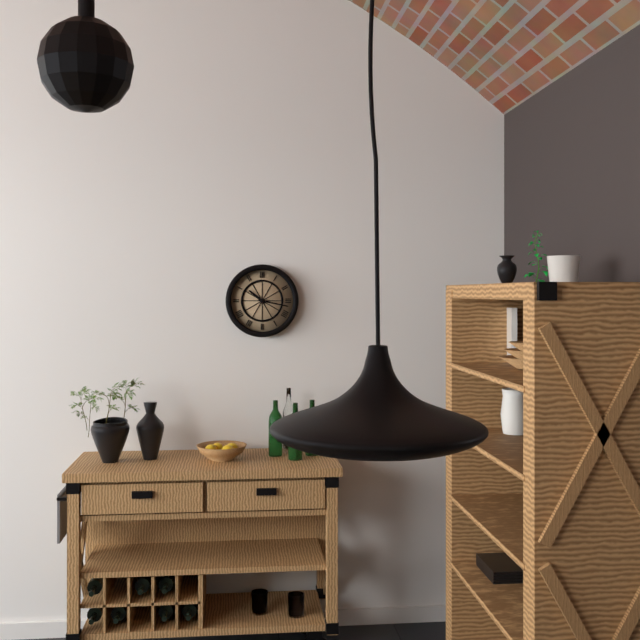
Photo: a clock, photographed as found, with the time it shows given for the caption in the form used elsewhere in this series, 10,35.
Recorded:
10,17
